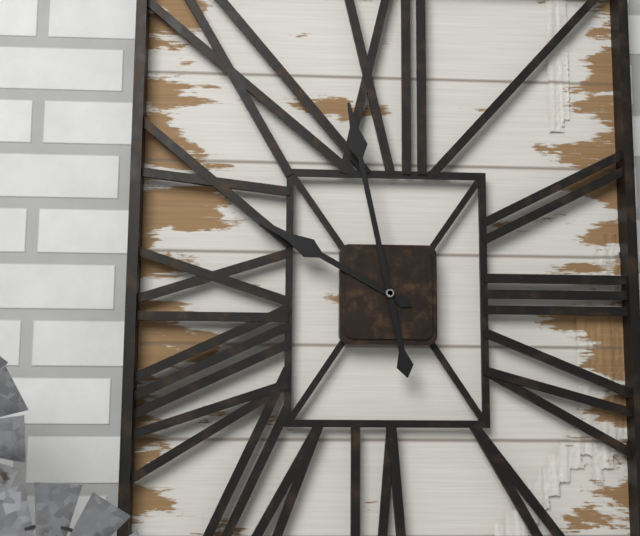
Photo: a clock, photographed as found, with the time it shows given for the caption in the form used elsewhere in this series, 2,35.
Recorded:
9,58
